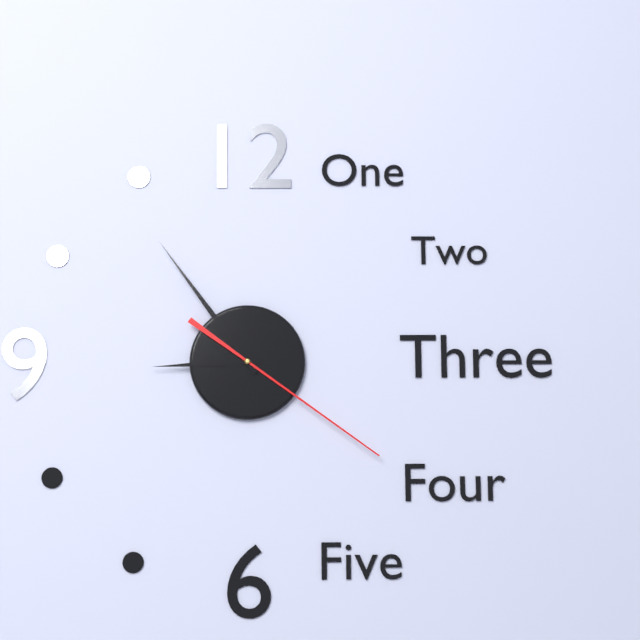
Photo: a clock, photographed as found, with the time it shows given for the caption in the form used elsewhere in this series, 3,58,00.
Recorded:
8,54,21
